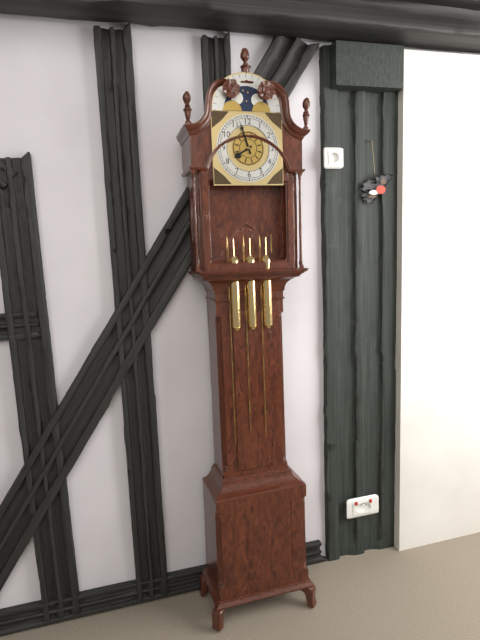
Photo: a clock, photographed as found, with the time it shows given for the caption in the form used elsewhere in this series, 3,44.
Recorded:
7,57
